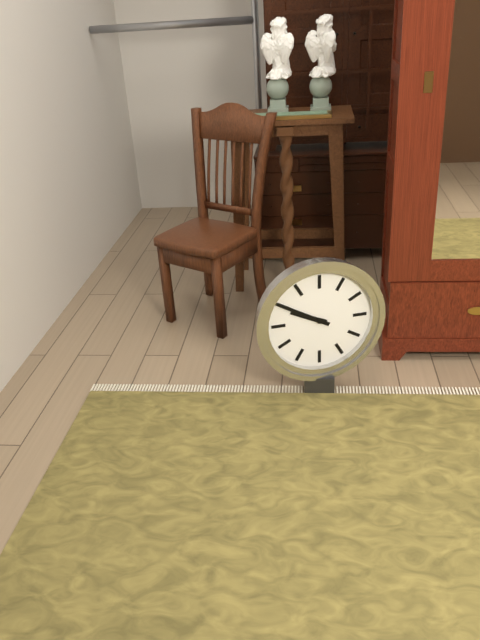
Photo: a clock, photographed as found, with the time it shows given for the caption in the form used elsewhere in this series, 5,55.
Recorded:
9,50
